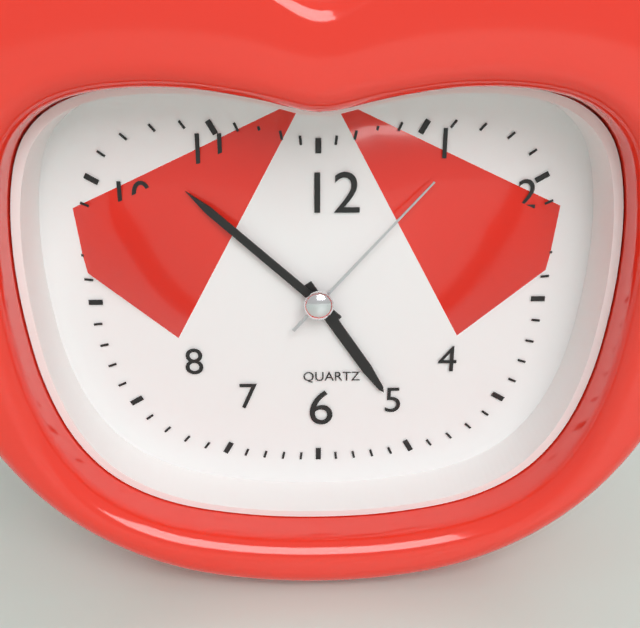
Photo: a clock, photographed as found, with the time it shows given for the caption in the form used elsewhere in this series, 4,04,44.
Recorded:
4,52,07
